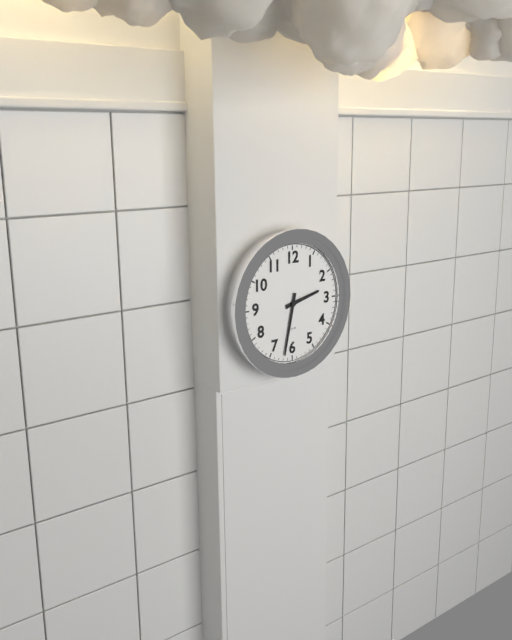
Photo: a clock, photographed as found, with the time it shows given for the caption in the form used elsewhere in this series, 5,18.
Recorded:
2,32
